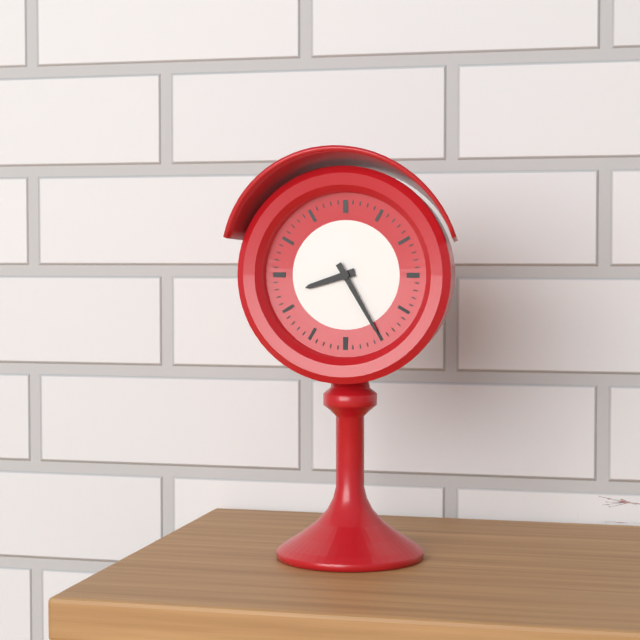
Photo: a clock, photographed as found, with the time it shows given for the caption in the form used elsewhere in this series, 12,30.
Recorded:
8,25
